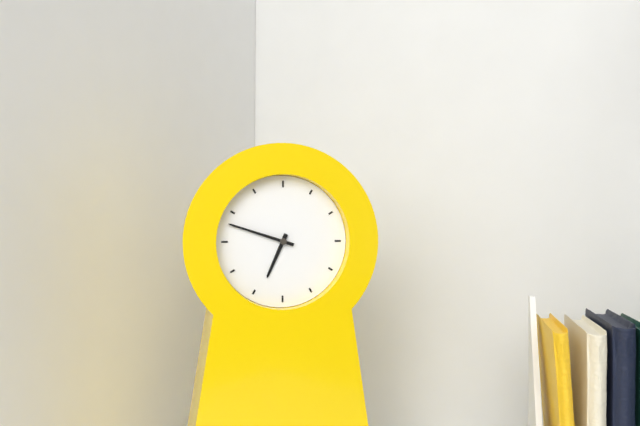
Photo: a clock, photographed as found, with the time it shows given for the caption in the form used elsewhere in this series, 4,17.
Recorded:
6,48
